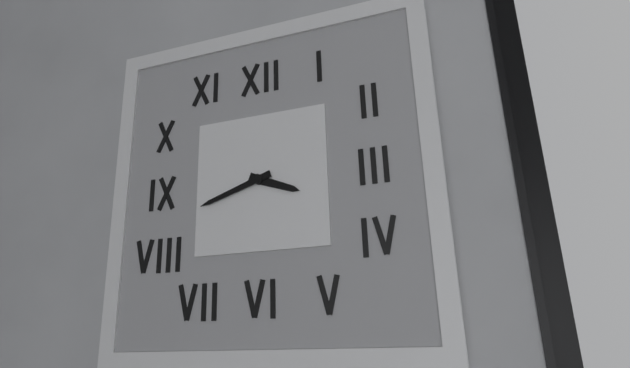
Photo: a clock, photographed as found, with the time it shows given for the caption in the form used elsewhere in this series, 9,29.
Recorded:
3,42
